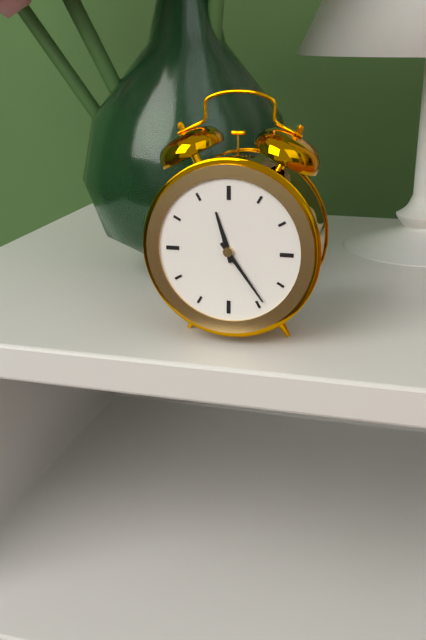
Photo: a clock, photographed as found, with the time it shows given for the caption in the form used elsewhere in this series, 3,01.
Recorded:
11,24
